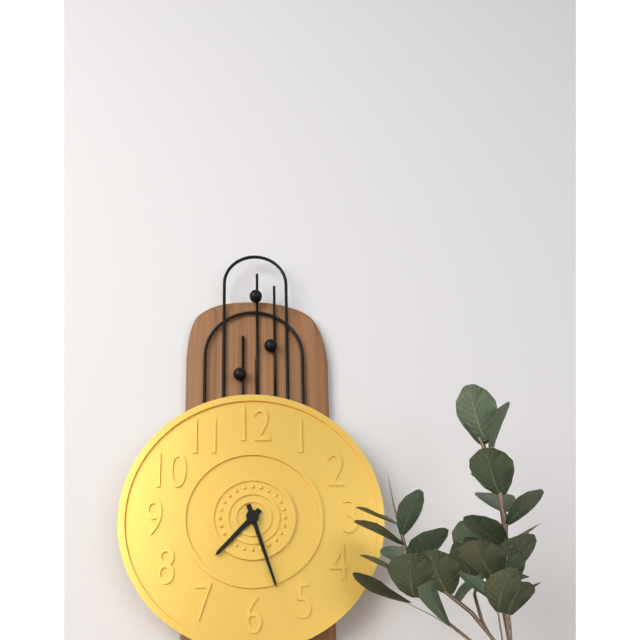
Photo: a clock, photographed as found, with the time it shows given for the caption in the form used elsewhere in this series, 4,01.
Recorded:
7,27
